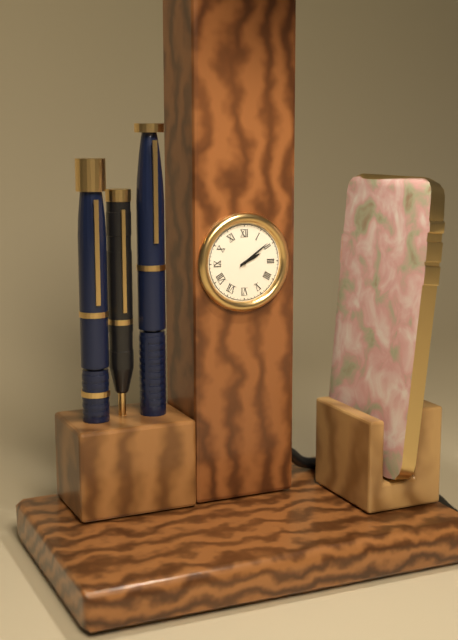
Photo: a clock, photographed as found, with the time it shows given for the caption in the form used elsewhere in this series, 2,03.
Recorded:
2,09
